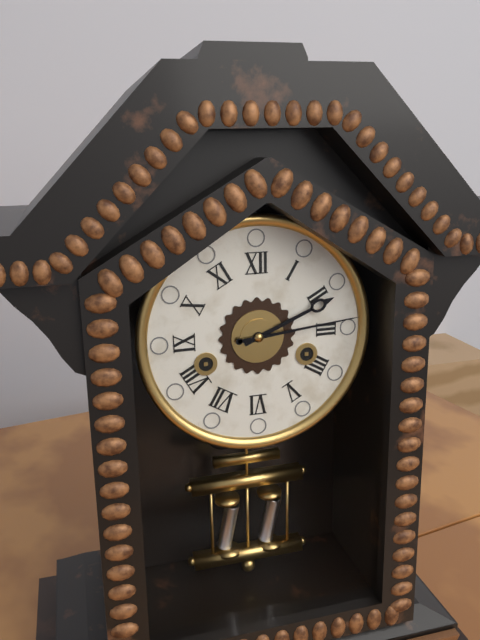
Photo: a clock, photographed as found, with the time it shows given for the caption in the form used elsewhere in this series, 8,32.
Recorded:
2,14
